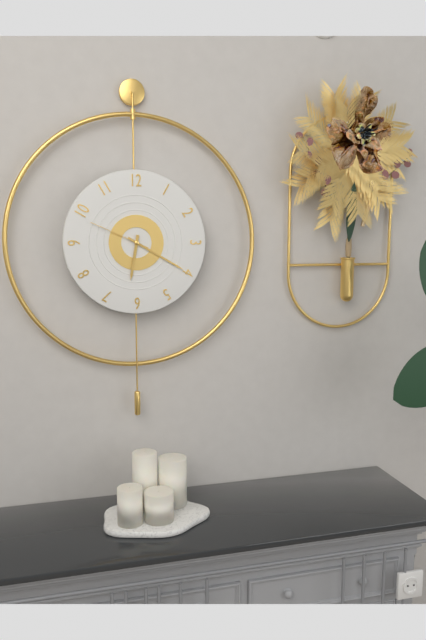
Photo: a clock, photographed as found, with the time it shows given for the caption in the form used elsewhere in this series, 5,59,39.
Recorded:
6,20,49
